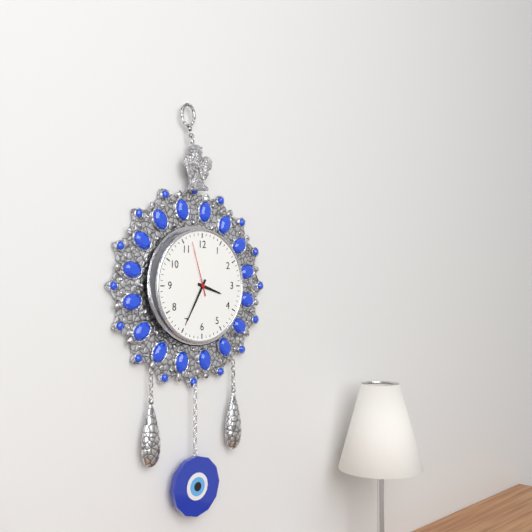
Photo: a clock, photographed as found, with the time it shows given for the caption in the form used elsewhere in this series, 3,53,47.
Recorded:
3,35,57
